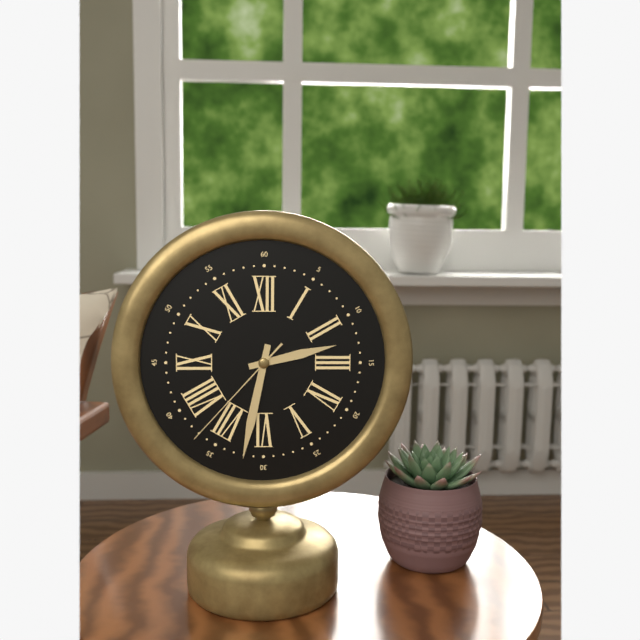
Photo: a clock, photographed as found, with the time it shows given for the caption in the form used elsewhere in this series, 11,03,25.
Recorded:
2,32,37
